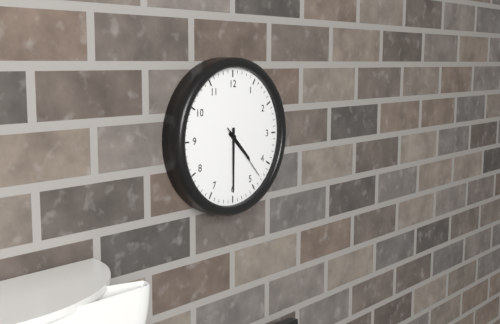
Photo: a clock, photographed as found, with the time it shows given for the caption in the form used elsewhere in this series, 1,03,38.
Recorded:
4,30,23
